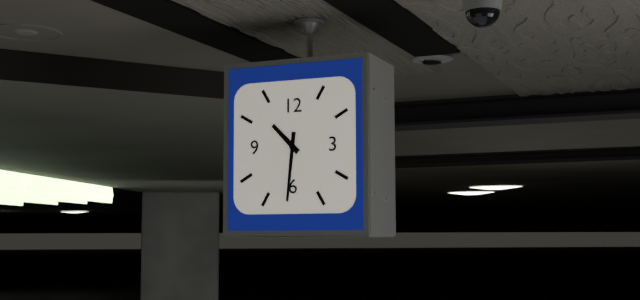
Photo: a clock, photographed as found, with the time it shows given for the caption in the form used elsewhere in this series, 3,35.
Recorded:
10,31
